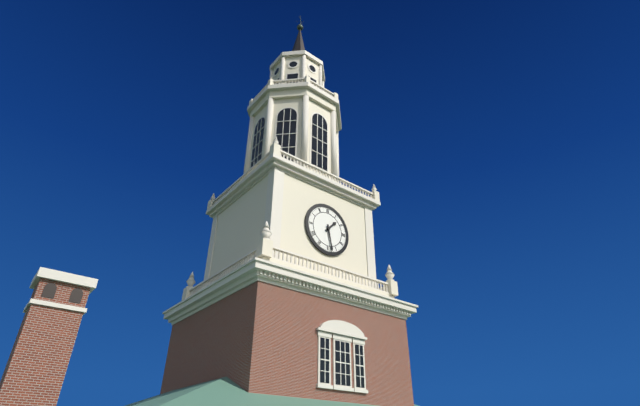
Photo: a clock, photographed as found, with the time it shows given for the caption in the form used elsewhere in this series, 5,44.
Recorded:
1,28
